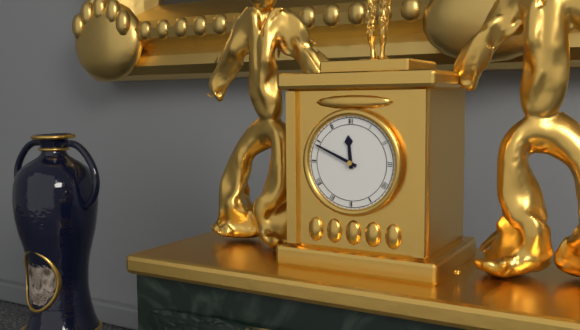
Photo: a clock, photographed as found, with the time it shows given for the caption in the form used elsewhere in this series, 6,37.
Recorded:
11,49
